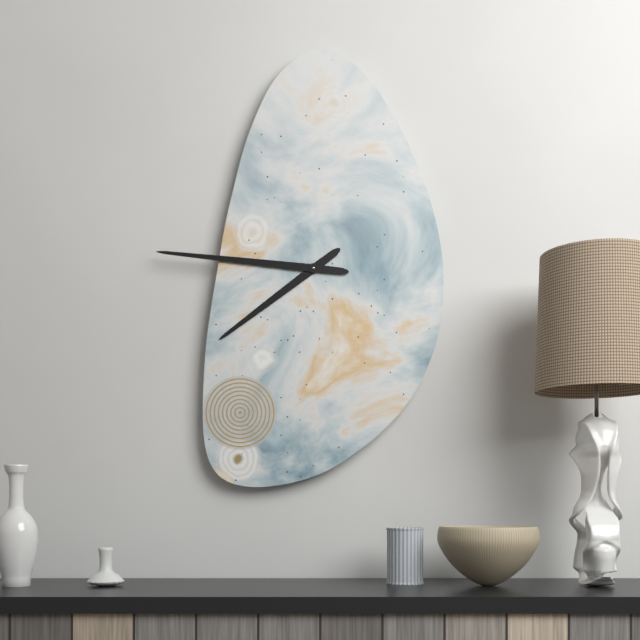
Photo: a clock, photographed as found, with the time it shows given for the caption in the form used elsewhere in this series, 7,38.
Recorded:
7,46
